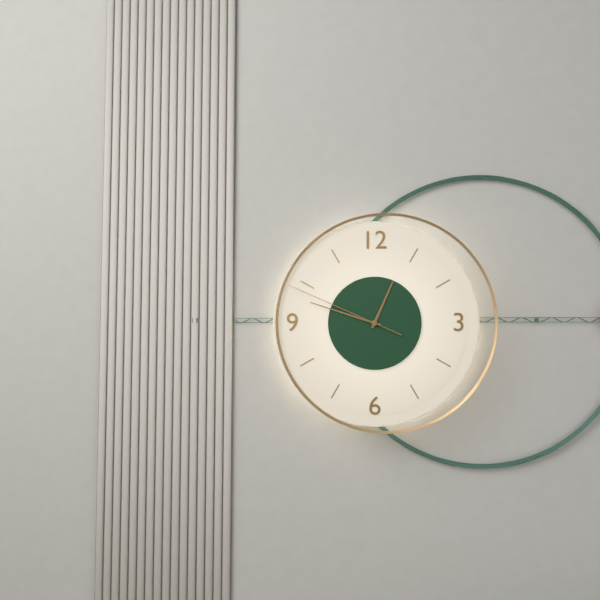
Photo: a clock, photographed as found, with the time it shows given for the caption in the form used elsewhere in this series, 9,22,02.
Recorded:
12,48,49
